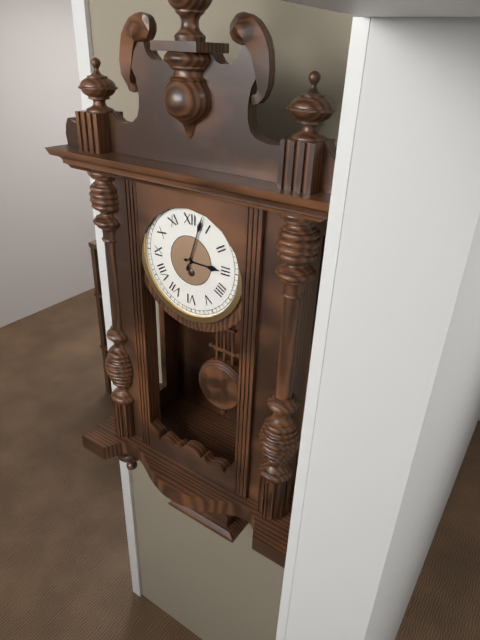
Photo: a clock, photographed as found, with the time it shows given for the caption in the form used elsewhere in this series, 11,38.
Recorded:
3,03
